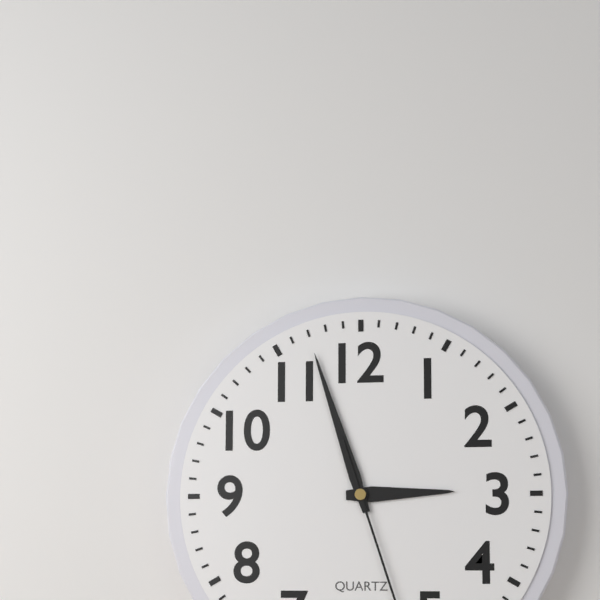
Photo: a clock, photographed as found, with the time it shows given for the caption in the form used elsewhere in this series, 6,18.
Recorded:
2,57
